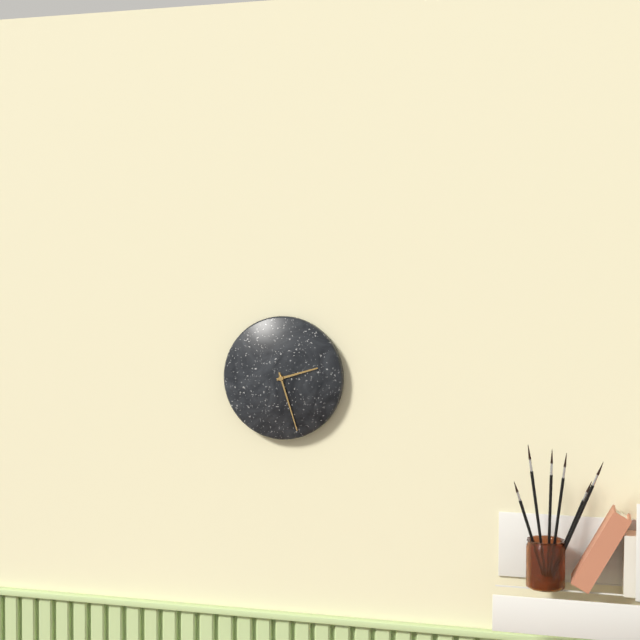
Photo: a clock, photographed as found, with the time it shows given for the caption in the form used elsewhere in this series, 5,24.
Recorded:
2,27
